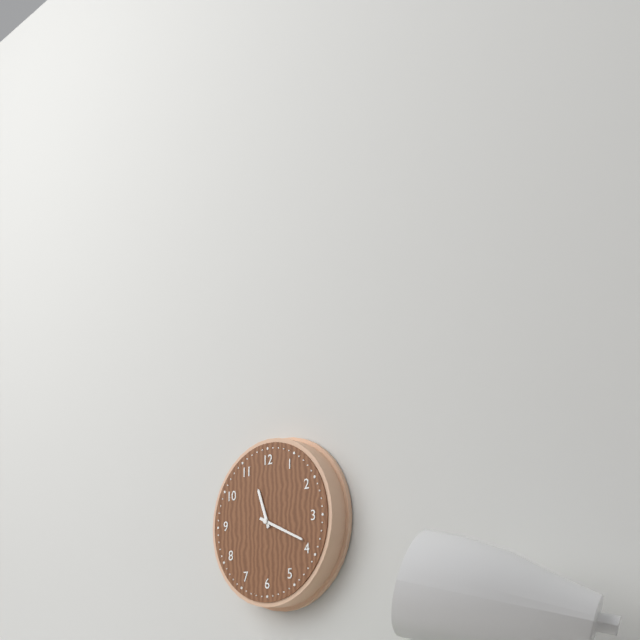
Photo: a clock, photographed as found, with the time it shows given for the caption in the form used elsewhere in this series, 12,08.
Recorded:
11,19
